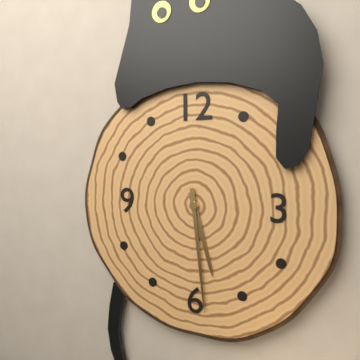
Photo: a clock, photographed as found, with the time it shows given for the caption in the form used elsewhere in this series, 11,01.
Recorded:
5,29
